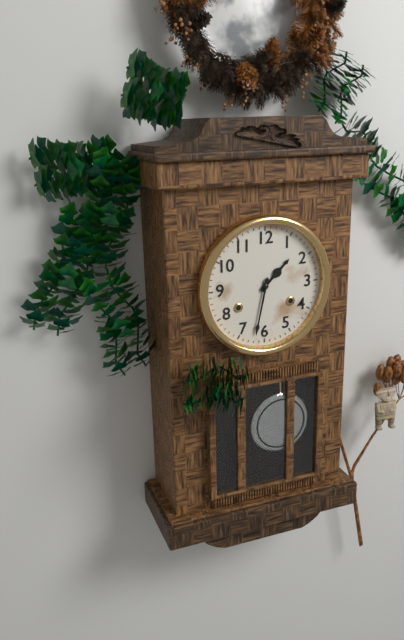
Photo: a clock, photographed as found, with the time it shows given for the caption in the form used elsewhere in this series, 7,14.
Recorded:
1,32
